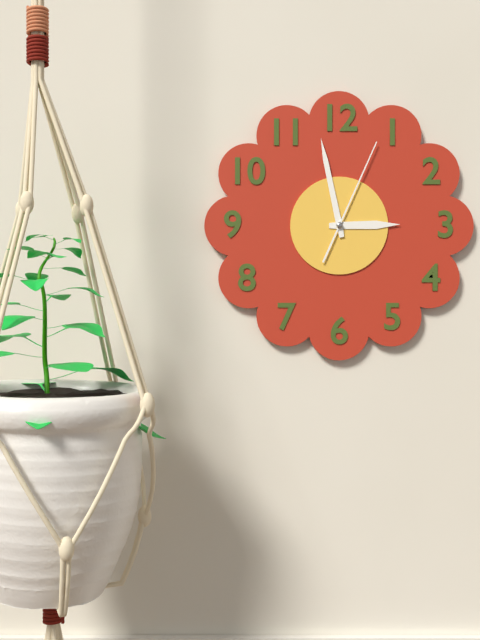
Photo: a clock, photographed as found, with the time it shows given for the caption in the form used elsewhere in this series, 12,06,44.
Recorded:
2,58,04
